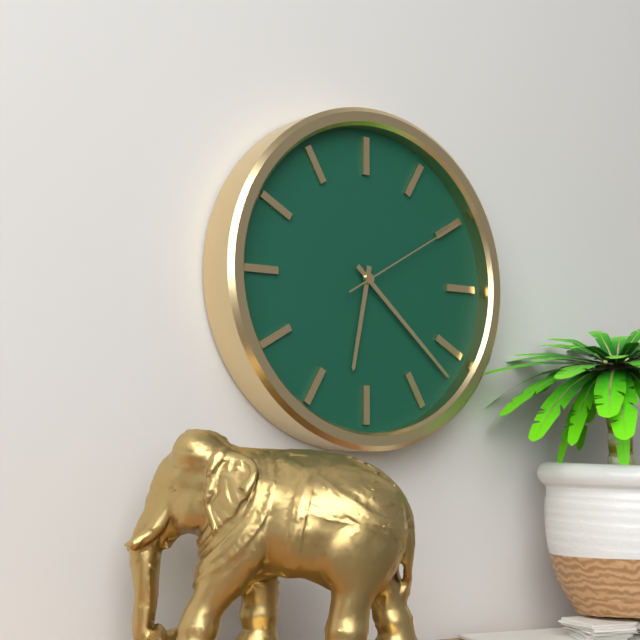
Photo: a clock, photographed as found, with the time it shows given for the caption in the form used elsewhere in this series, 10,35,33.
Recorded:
6,22,10
